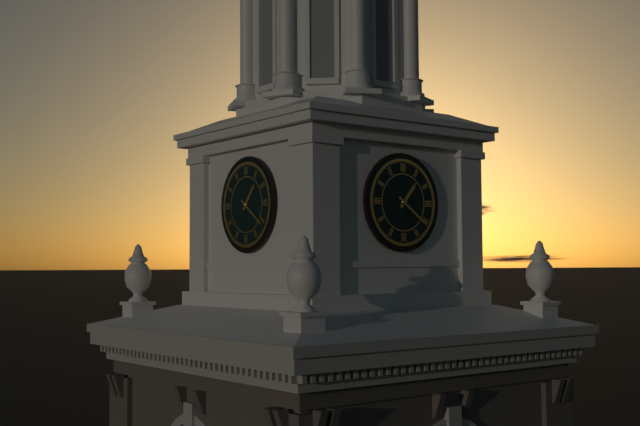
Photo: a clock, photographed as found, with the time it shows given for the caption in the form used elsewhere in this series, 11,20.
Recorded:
1,21
